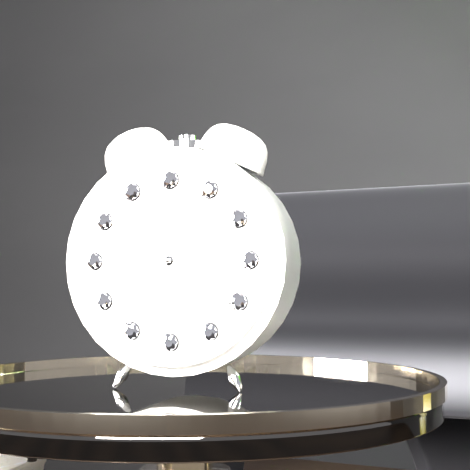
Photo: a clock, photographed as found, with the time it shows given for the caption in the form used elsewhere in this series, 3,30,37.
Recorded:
9,26,36
